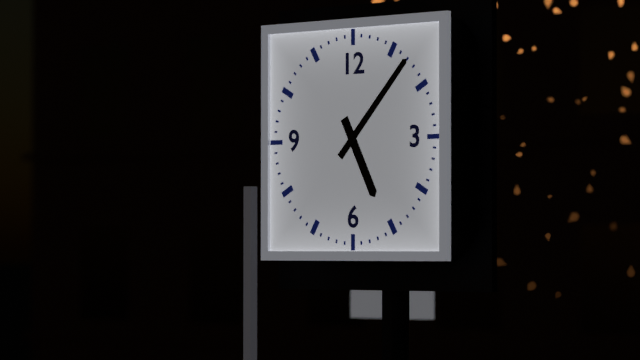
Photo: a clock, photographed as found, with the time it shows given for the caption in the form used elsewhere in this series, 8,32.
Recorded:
5,07
